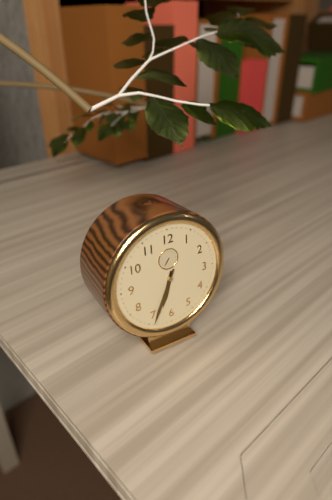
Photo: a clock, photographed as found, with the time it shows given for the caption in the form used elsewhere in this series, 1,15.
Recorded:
6,34
